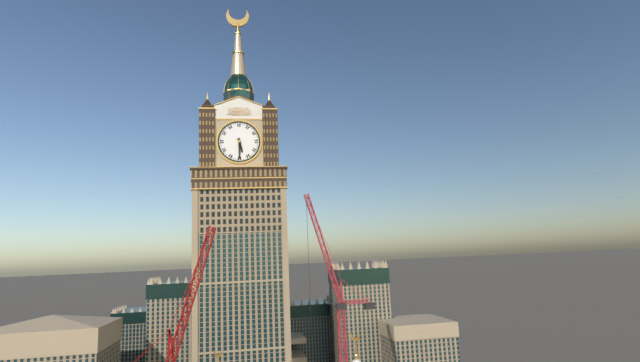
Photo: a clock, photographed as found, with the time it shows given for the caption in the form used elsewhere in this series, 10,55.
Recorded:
5,30
